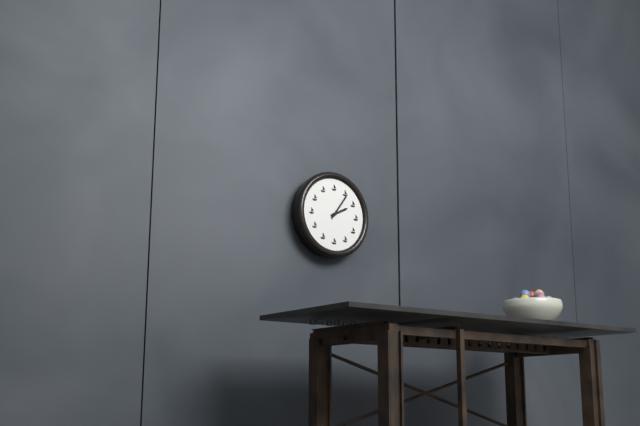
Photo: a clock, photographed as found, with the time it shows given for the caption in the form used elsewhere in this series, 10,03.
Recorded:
2,06
